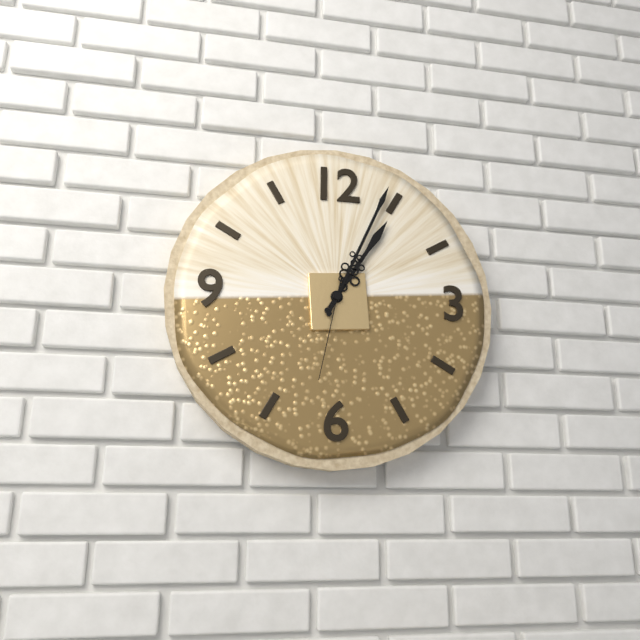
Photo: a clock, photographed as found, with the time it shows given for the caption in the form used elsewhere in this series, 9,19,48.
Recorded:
1,04,32
